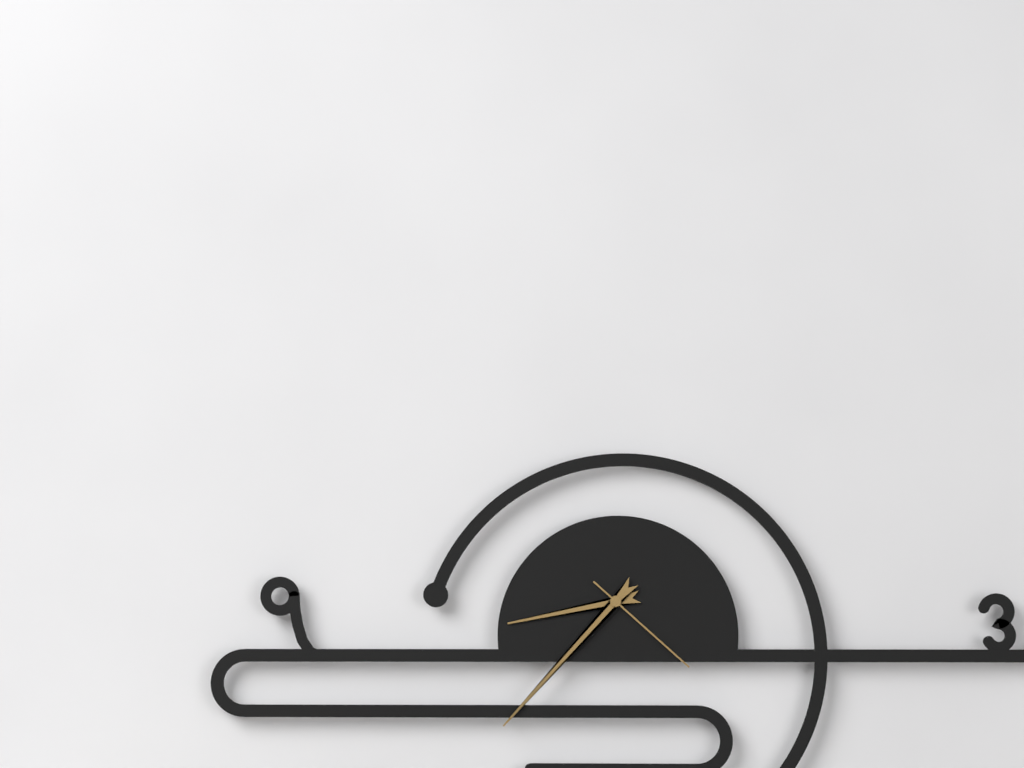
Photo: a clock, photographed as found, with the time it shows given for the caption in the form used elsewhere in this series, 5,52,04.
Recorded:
8,37,22
